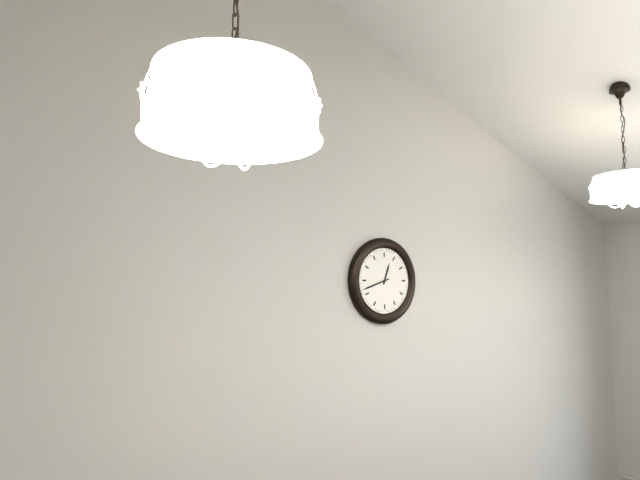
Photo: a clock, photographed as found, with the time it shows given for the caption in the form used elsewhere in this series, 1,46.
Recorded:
12,42
